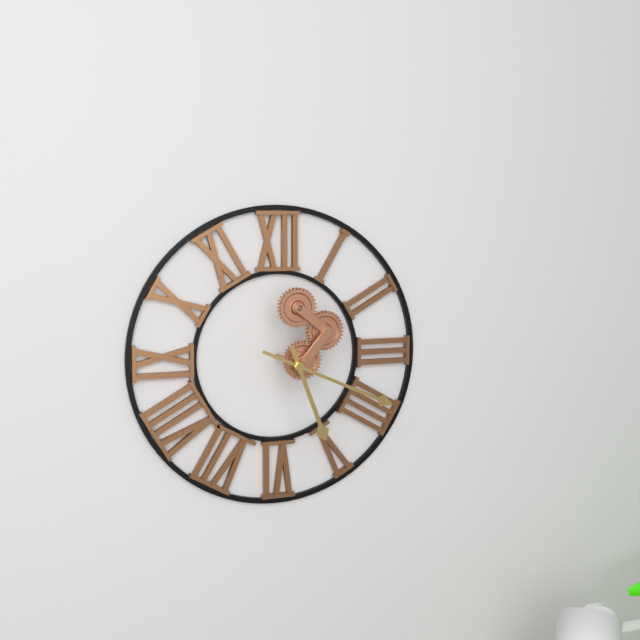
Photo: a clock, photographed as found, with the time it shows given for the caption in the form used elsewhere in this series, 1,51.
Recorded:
5,19
